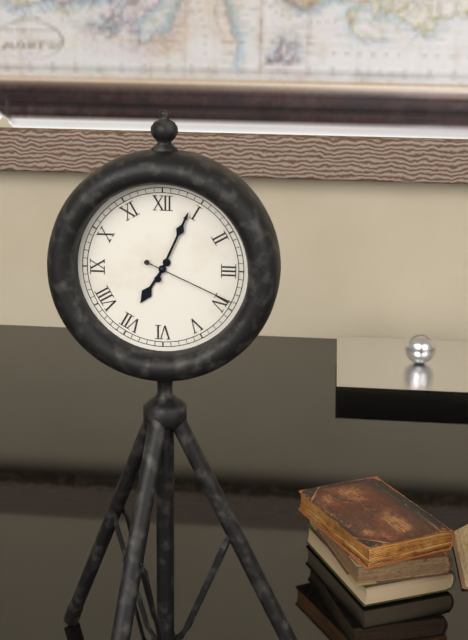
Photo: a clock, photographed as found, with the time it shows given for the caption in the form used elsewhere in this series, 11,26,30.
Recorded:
7,04,19
